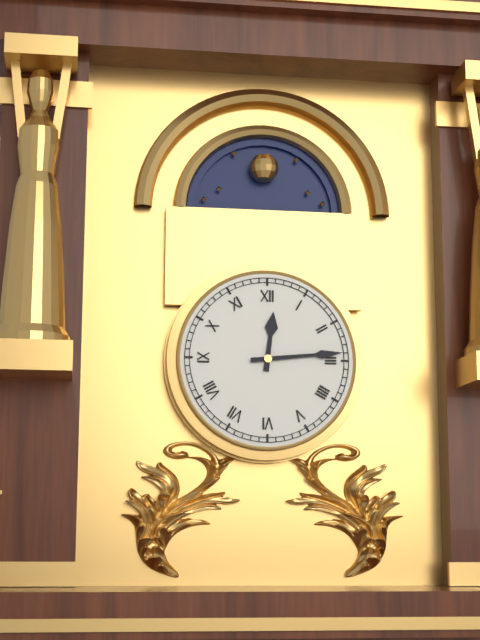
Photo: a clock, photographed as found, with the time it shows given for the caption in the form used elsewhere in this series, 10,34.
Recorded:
12,14
